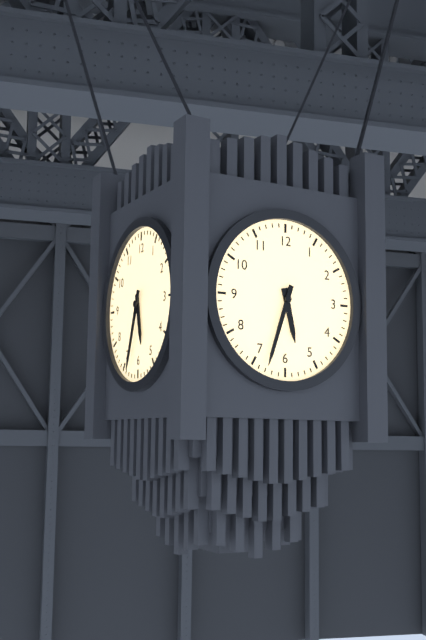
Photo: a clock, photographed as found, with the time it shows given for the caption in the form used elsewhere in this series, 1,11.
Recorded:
5,33
